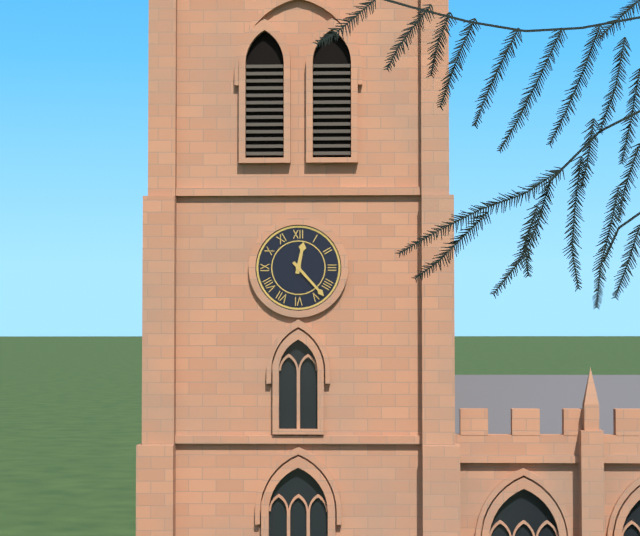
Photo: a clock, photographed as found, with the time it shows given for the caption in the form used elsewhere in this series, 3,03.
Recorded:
12,23
